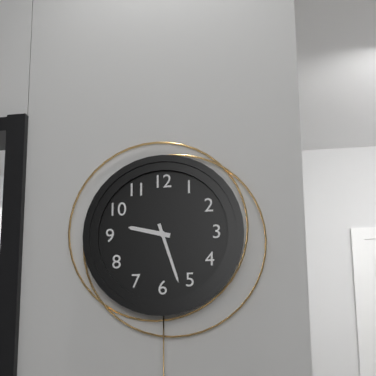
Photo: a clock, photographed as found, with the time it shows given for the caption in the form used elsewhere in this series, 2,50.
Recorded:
9,27
